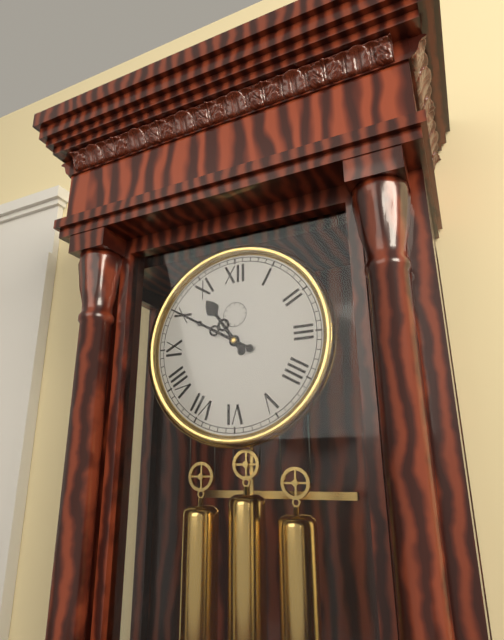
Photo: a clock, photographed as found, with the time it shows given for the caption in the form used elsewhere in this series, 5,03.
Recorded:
10,50
